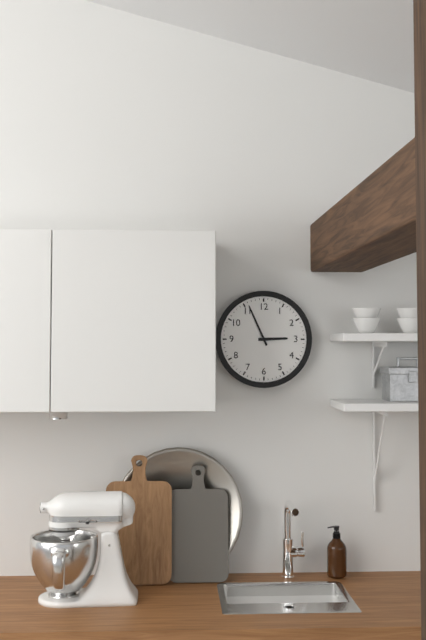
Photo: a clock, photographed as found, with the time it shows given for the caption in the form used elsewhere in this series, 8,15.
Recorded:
2,56
